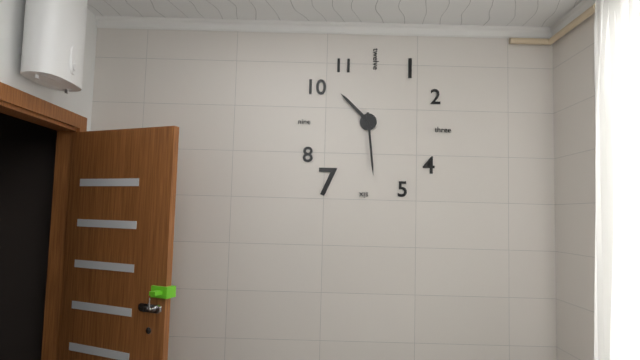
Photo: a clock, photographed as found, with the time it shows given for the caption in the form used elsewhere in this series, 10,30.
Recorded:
10,29
